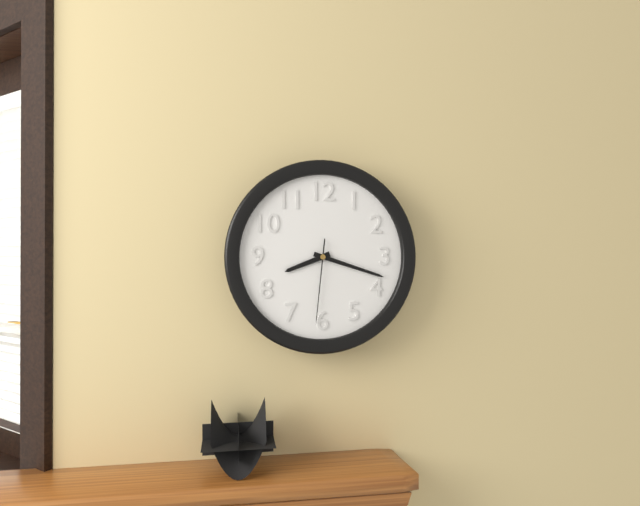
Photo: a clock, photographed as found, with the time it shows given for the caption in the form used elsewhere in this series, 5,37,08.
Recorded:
8,18,31
